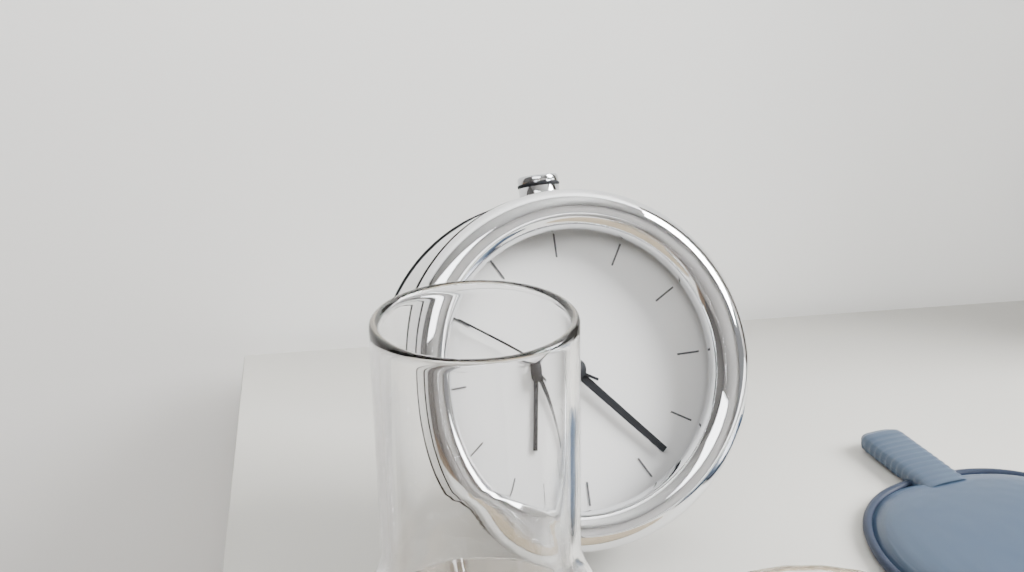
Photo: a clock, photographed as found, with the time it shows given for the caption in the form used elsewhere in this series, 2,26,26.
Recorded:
6,23,50
